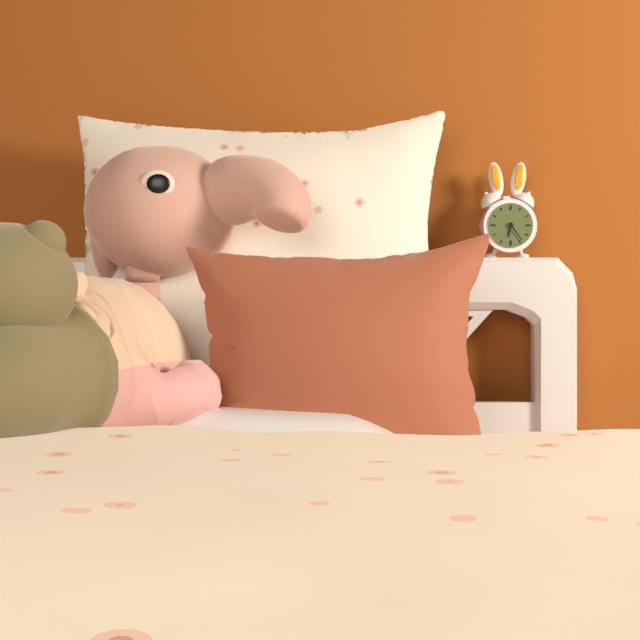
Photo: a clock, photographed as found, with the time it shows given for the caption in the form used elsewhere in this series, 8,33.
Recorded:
6,24
